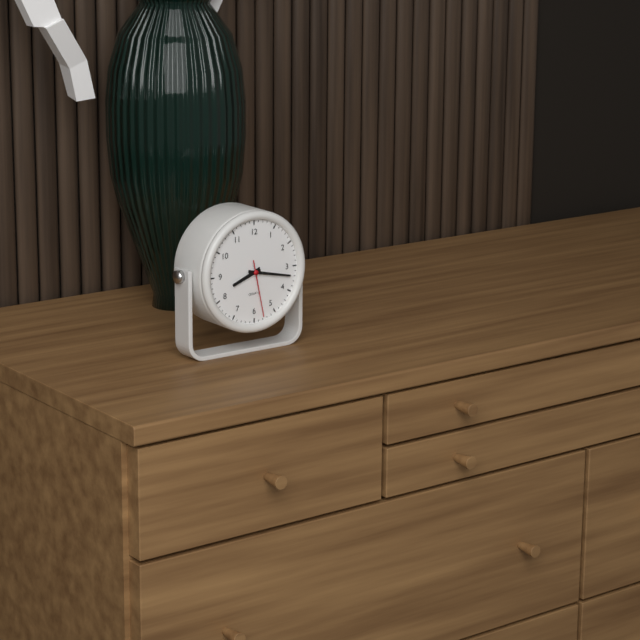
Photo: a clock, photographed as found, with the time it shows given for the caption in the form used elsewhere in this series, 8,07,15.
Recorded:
8,17,28
